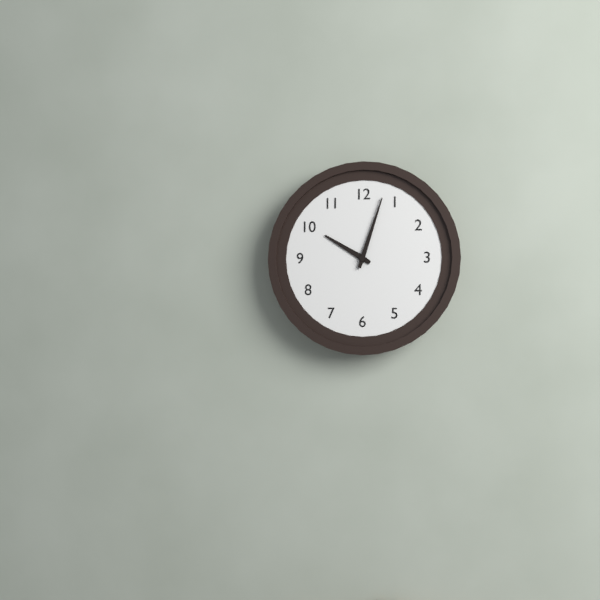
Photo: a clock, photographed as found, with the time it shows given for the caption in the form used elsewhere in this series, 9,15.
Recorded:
10,03
